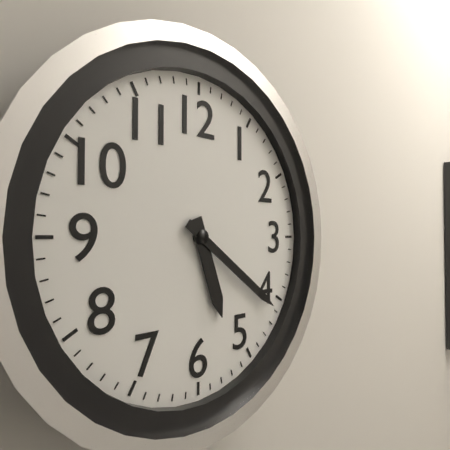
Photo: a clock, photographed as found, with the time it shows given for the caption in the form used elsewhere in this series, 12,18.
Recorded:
5,21
